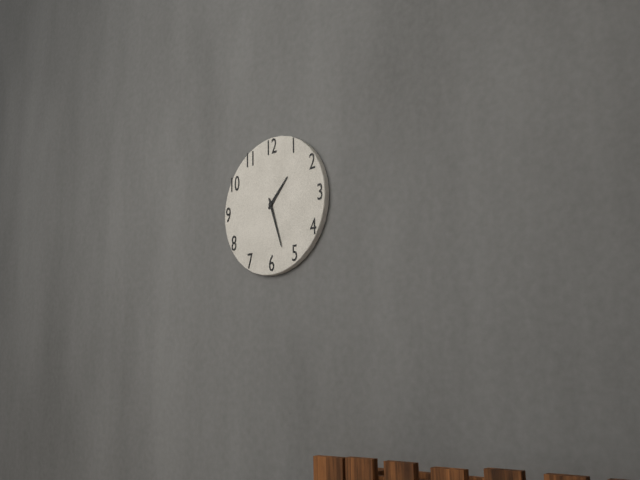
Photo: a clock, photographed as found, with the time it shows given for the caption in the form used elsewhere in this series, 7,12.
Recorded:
1,27
